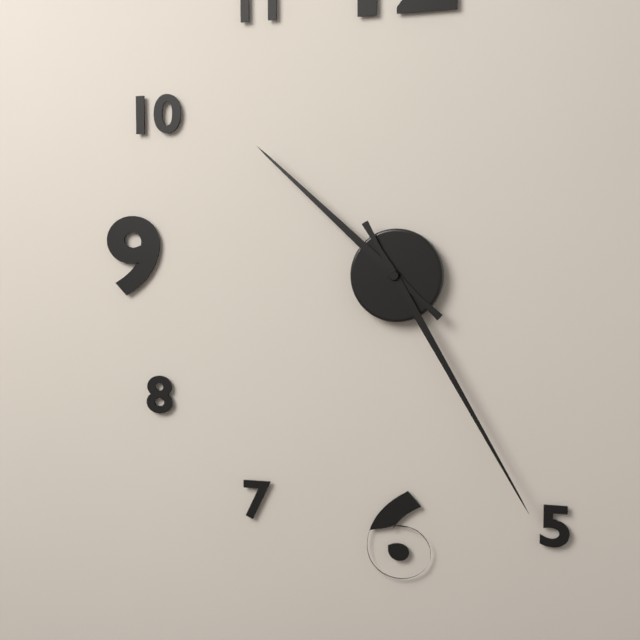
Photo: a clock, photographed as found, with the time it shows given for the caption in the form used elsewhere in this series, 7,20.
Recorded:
10,25
